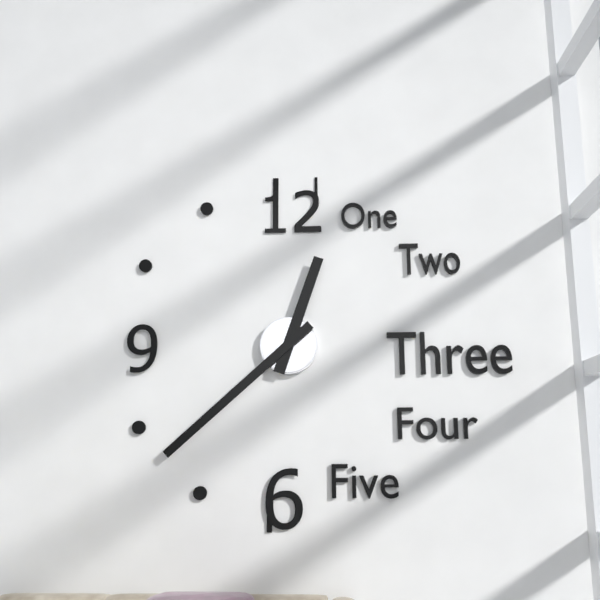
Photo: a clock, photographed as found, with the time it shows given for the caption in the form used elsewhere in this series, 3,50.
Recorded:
12,38
